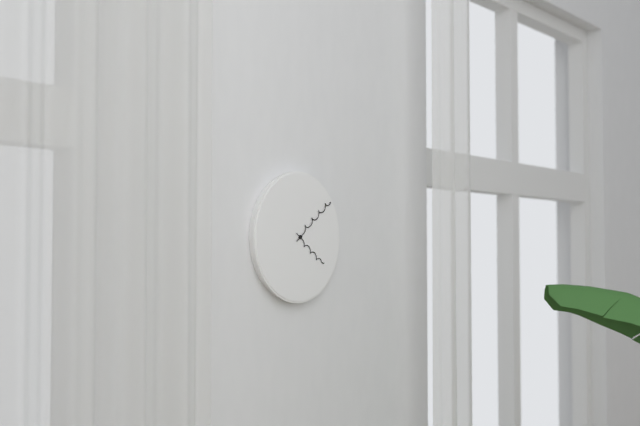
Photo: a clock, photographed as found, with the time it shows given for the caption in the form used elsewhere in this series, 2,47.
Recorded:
4,09
